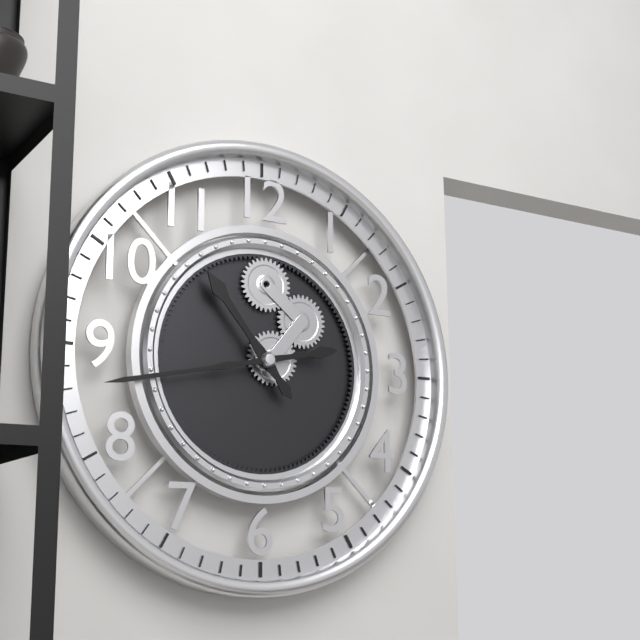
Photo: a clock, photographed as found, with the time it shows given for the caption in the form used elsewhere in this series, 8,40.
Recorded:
10,43
